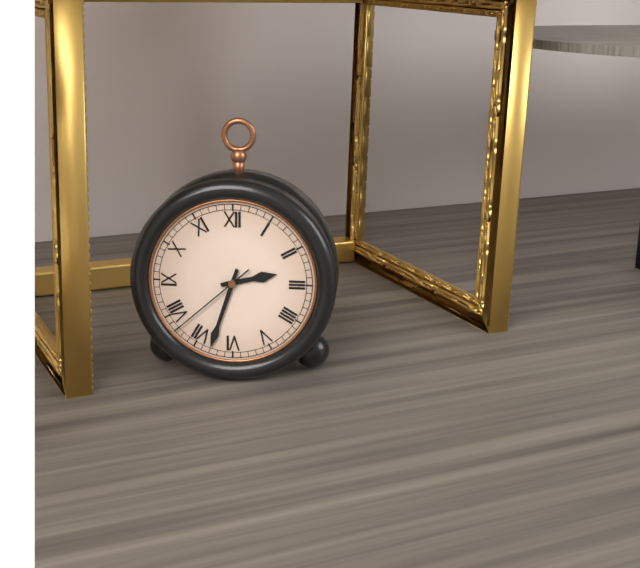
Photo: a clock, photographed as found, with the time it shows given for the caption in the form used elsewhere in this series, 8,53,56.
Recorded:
2,33,38
